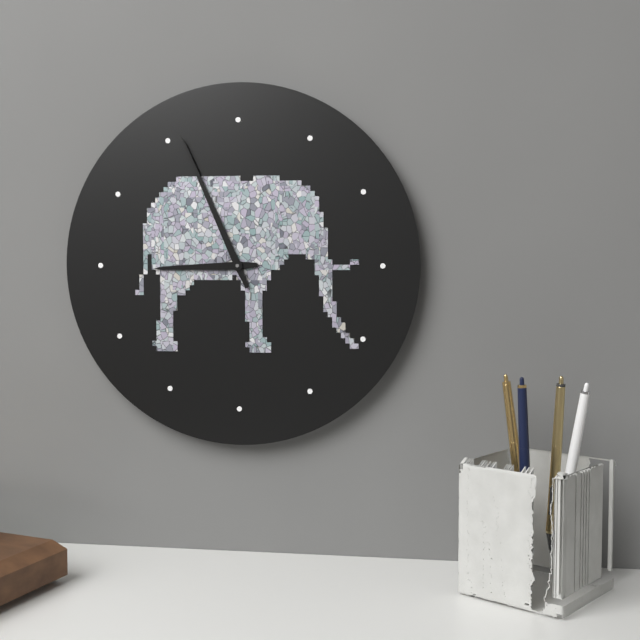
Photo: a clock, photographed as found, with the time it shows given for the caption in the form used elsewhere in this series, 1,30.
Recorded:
8,56
